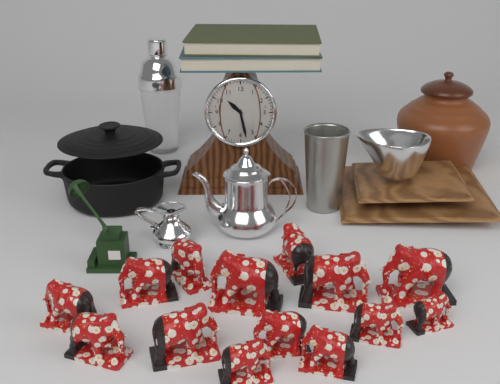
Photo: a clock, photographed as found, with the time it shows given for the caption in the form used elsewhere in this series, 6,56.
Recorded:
10,28
